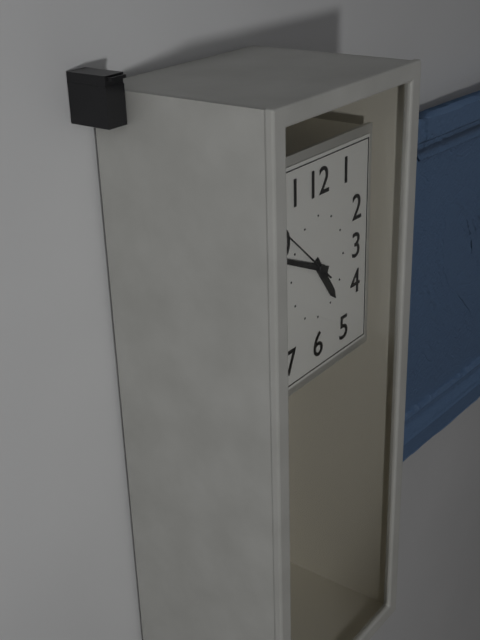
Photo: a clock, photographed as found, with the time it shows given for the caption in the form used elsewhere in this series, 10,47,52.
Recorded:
4,49,52
